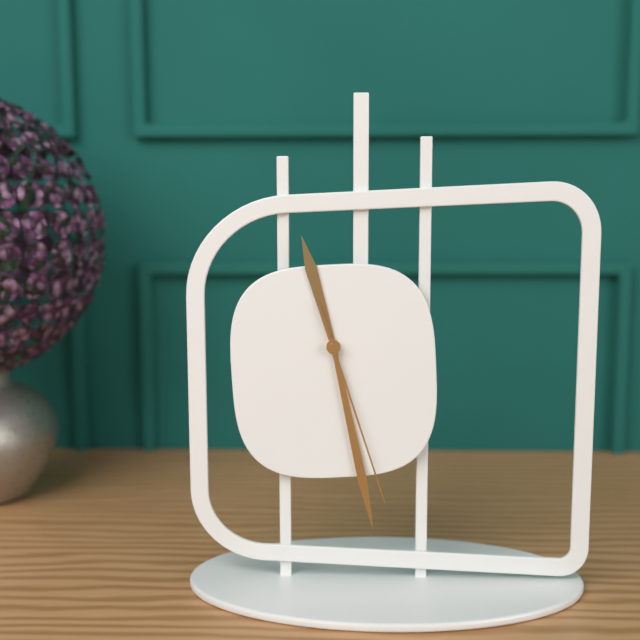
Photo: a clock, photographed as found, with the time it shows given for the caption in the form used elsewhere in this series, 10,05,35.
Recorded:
11,28,27
